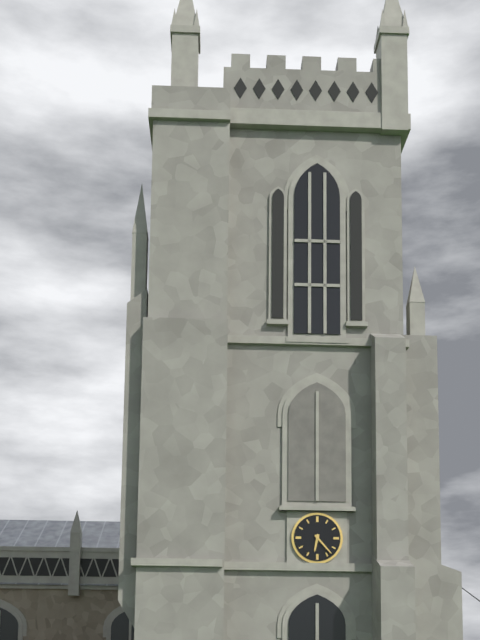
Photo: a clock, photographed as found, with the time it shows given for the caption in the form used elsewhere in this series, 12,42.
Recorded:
6,23
